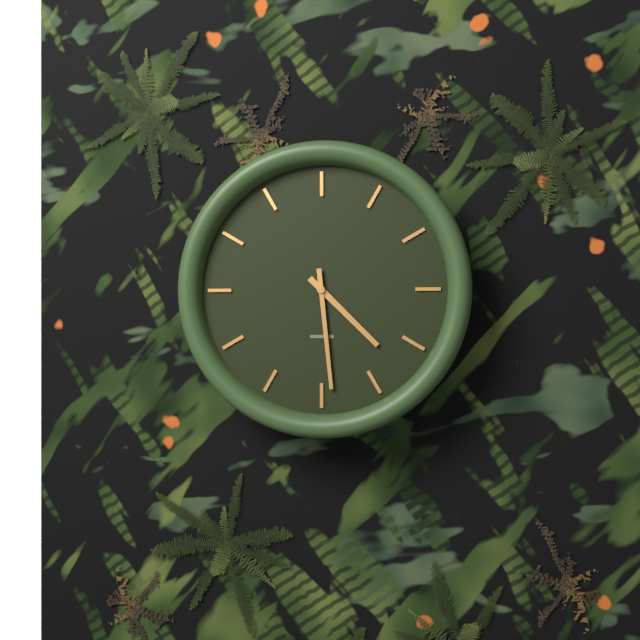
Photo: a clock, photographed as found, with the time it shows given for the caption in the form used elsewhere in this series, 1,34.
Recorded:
4,29
